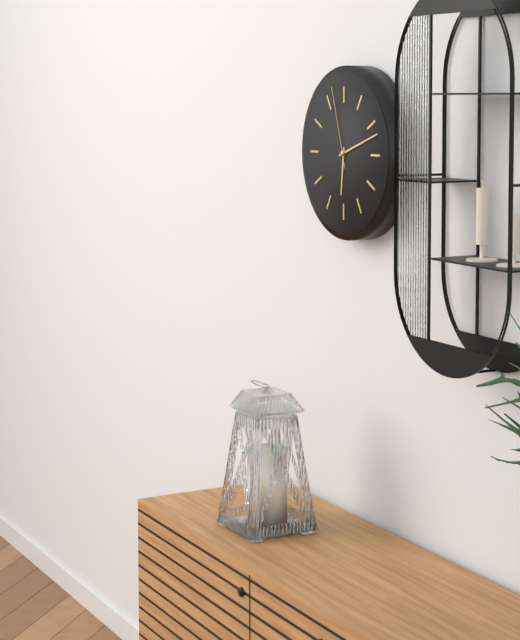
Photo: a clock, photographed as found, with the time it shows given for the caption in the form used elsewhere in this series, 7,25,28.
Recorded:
6,12,57
